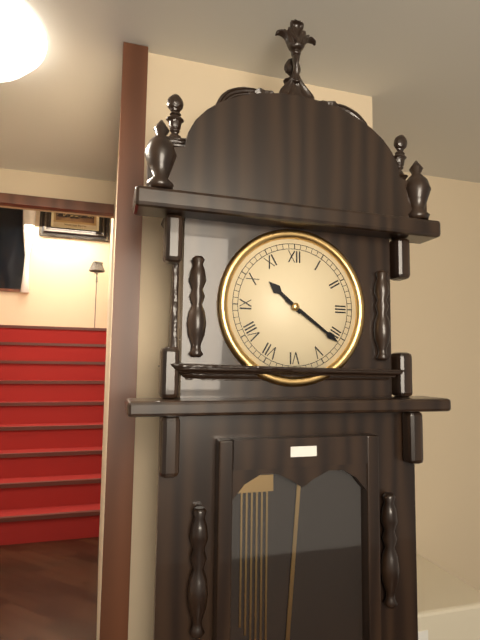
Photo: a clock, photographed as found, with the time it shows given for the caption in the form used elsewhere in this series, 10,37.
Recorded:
10,21
